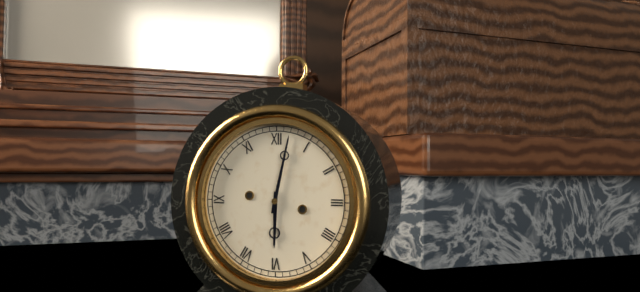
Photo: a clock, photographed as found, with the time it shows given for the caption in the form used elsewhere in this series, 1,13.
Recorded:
6,02
